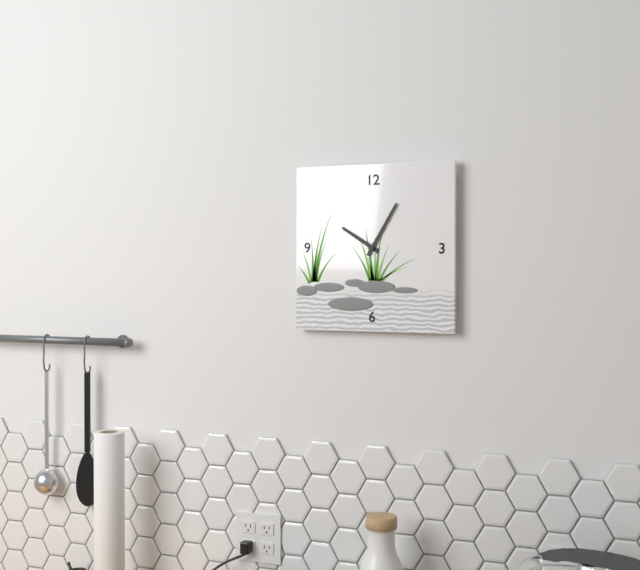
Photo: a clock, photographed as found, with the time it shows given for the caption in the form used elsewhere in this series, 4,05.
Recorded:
10,05
